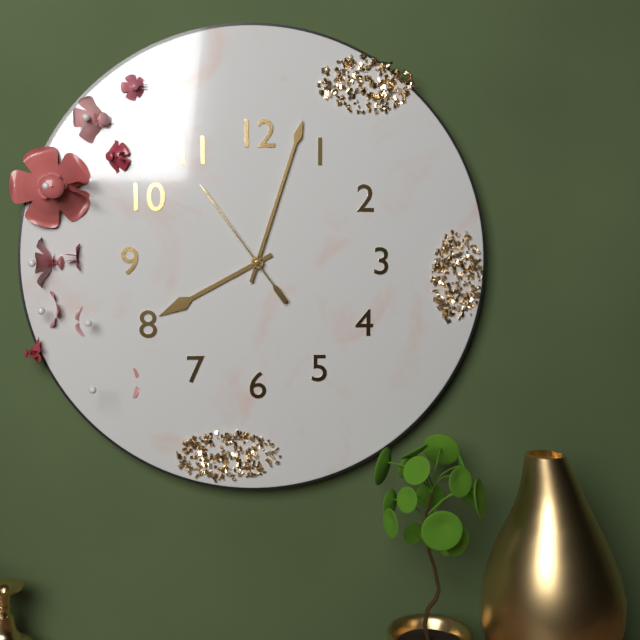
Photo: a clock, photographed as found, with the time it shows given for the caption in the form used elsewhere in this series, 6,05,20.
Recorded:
8,03,54
